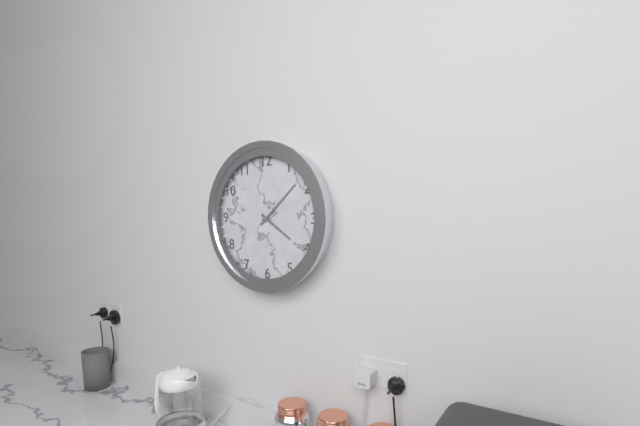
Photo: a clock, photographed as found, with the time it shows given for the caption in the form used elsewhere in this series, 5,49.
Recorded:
4,08
